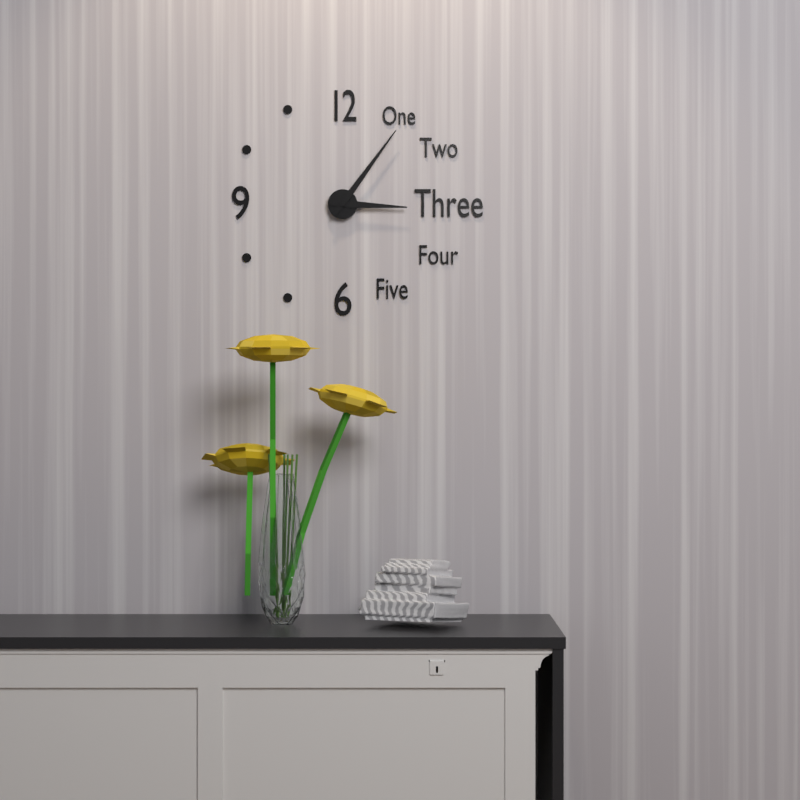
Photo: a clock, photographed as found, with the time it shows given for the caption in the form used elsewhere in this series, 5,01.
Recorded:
3,06
